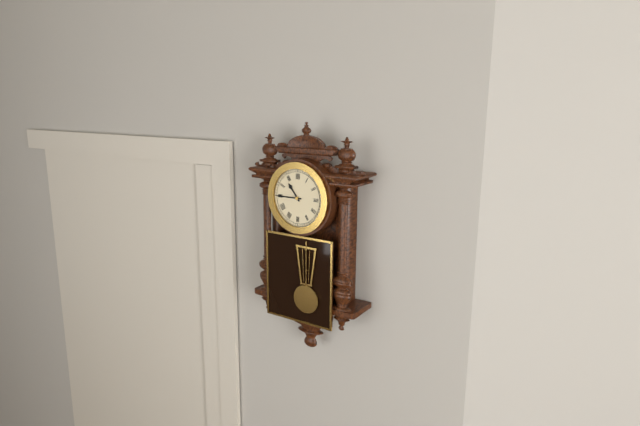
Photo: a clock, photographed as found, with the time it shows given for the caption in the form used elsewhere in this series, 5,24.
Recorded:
10,45
